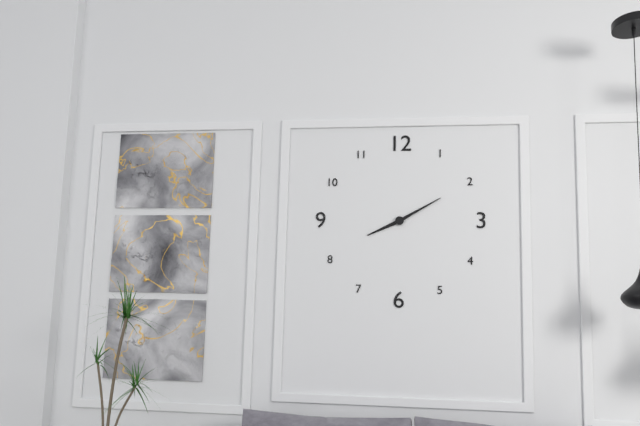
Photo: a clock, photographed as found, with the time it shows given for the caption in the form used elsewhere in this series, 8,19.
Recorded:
8,10
